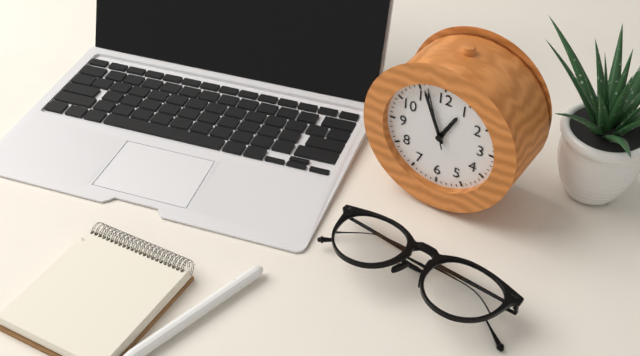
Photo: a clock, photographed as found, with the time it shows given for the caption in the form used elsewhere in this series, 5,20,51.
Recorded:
12,56,57
